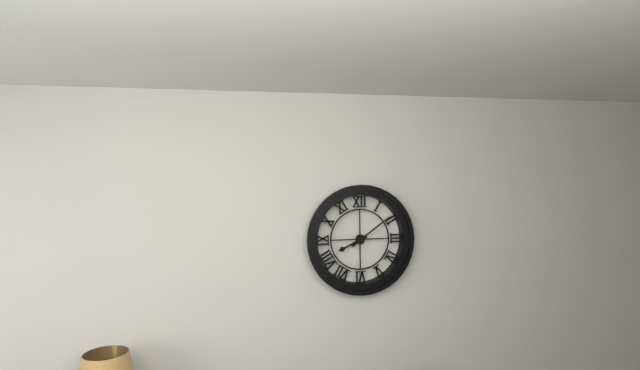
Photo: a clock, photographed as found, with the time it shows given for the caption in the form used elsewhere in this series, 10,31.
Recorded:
8,09
